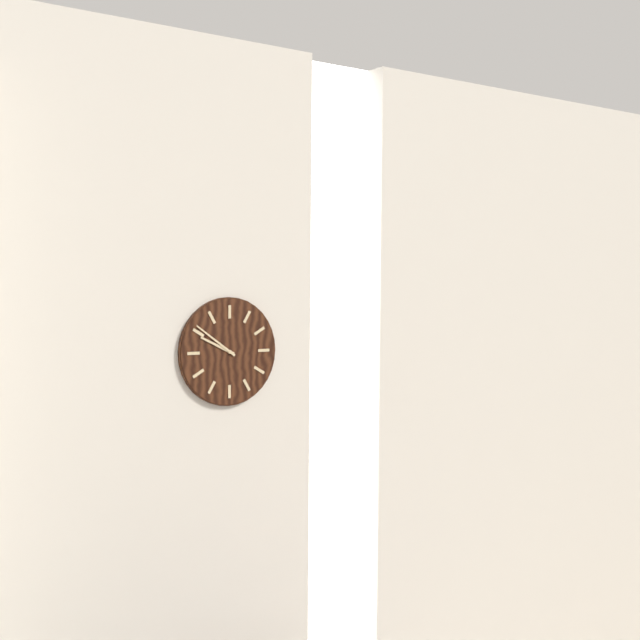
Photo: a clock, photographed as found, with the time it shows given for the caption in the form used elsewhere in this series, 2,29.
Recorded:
9,51
